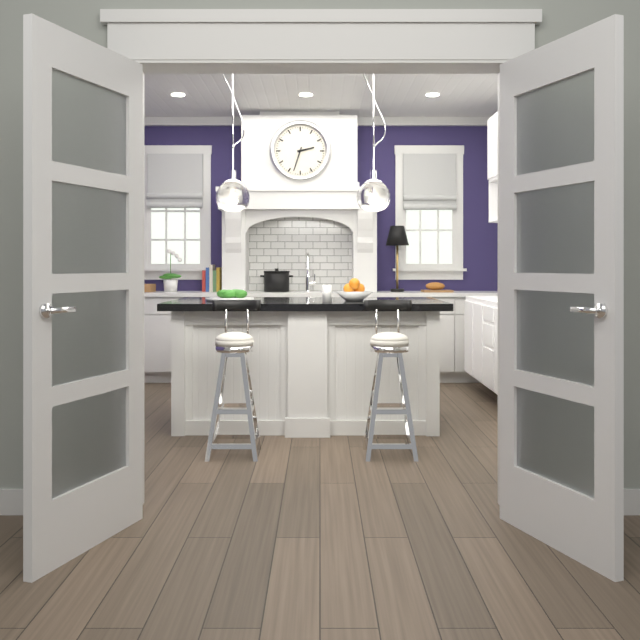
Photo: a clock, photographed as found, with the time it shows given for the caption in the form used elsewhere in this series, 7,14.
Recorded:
2,33
